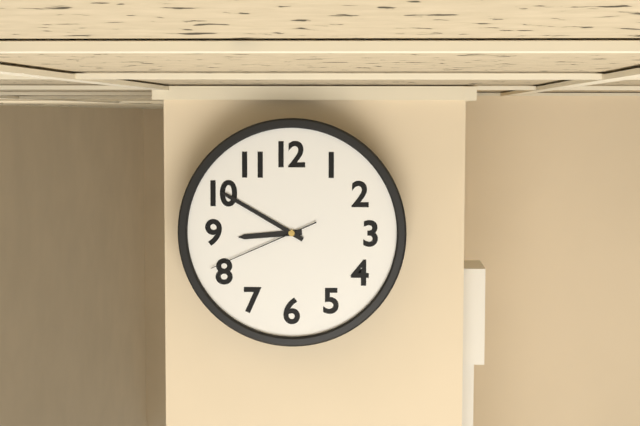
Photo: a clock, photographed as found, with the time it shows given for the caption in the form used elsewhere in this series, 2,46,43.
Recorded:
8,50,41
